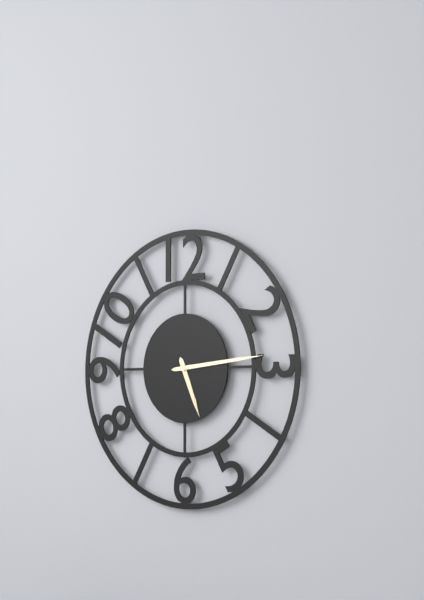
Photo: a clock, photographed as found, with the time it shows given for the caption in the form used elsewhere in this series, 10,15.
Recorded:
5,14
